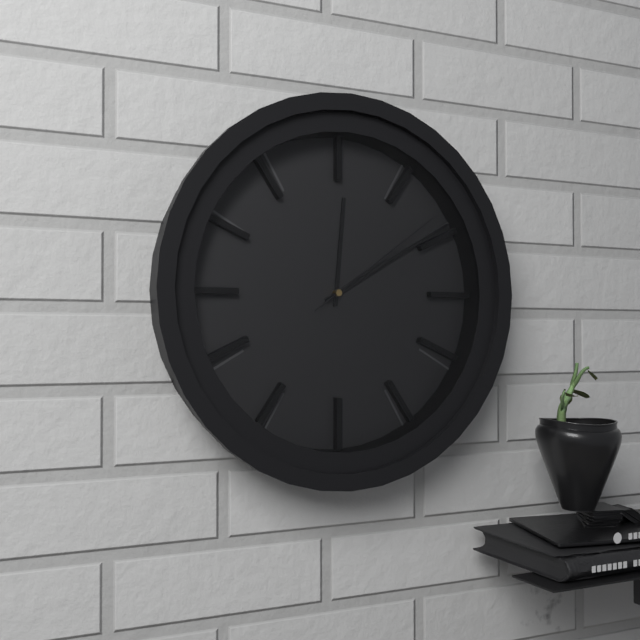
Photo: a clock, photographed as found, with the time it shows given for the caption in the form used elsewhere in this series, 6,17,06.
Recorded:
12,10,09
